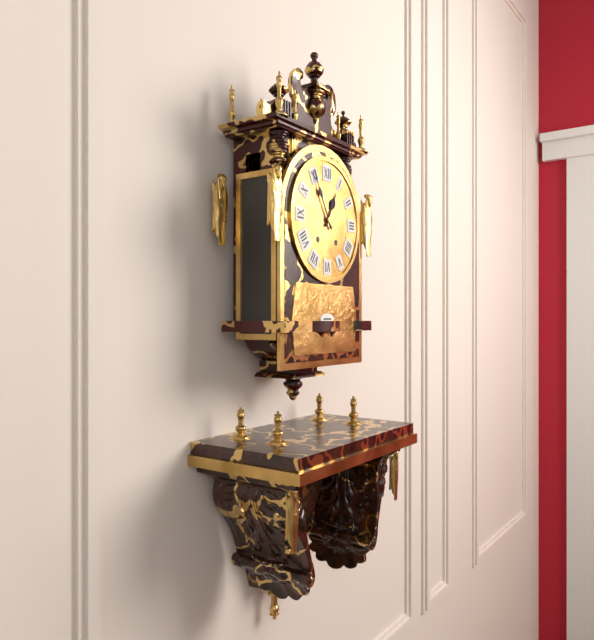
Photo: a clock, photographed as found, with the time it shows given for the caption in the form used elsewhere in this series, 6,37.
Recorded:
12,55
